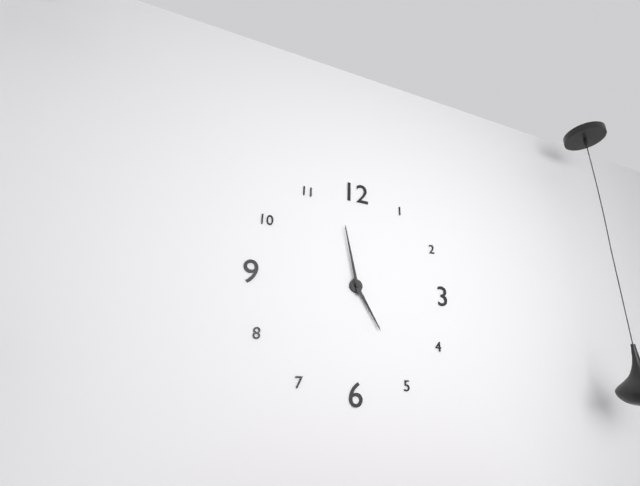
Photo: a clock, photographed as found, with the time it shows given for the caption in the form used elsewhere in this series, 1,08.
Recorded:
4,58
